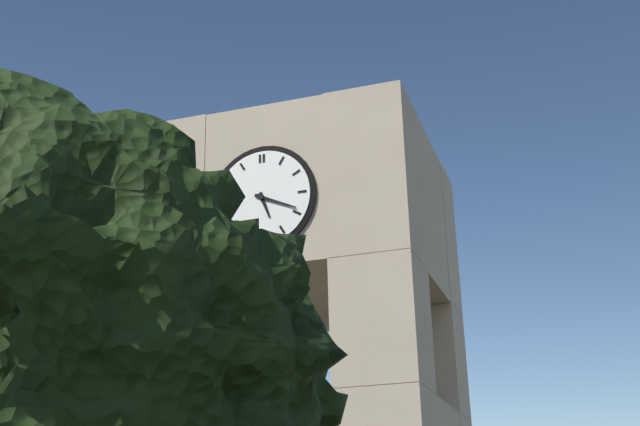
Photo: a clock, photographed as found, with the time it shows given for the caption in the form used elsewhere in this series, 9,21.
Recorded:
5,19
